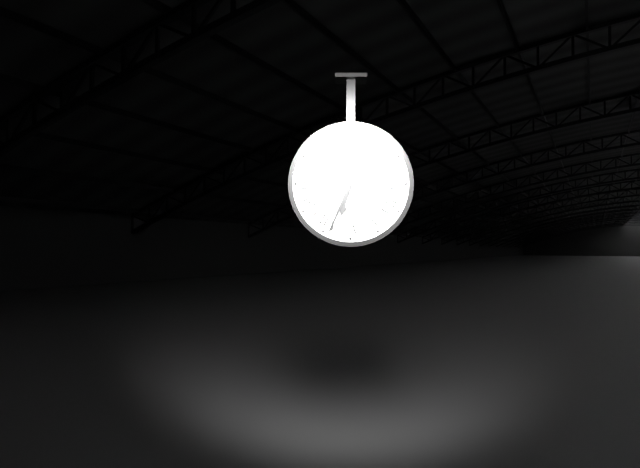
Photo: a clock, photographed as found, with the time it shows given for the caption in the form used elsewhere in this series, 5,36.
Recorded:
6,34
